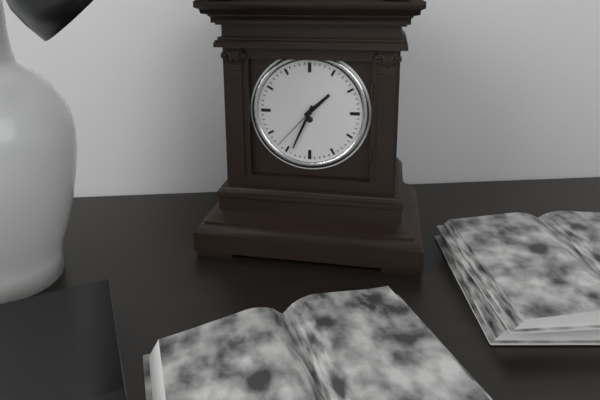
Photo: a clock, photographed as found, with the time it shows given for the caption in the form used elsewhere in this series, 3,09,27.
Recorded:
1,34,37
